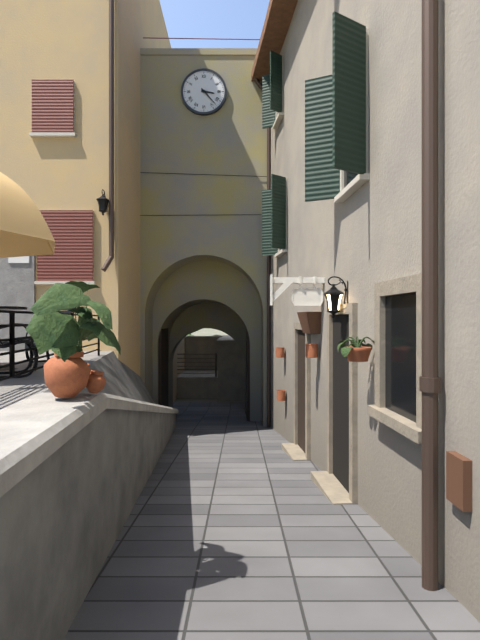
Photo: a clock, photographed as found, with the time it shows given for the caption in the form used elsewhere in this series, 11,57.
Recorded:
3,23
